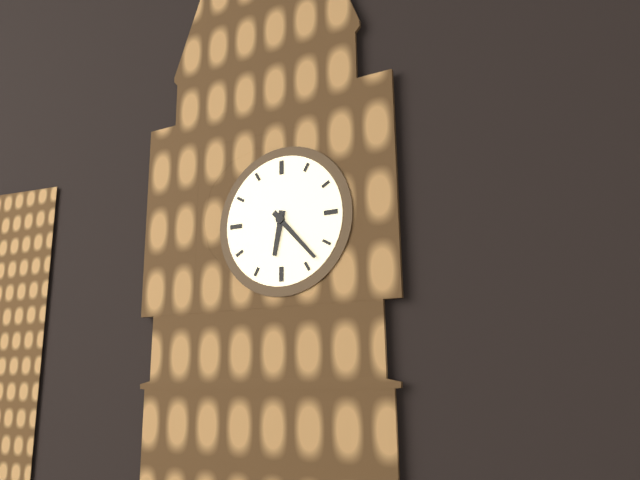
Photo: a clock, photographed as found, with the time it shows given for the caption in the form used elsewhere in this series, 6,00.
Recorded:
6,23
